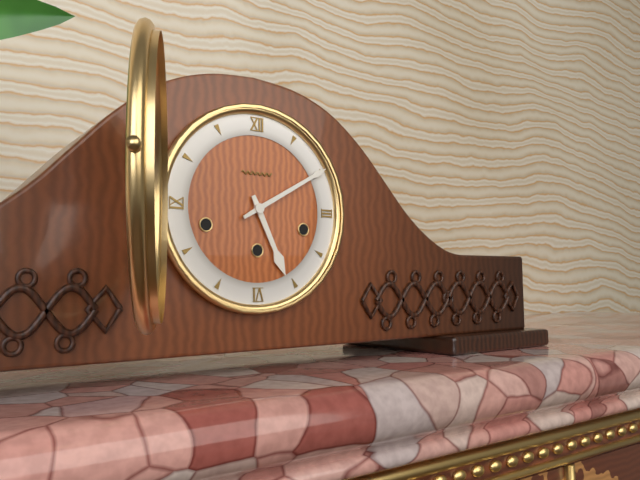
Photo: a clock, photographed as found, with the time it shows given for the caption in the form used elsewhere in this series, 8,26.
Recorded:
5,10
